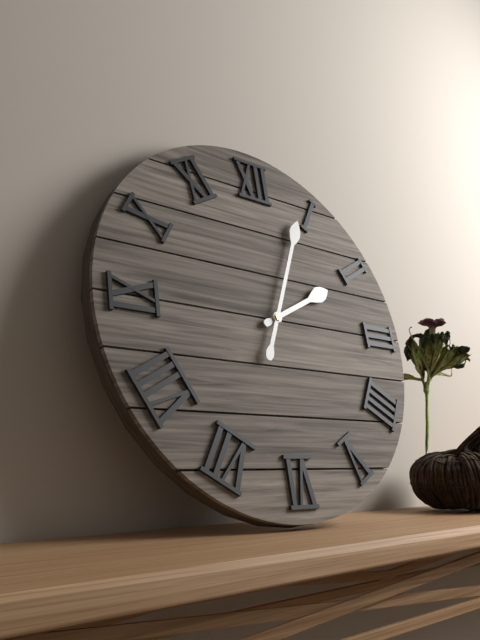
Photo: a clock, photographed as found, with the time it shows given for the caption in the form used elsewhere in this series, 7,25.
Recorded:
2,04
